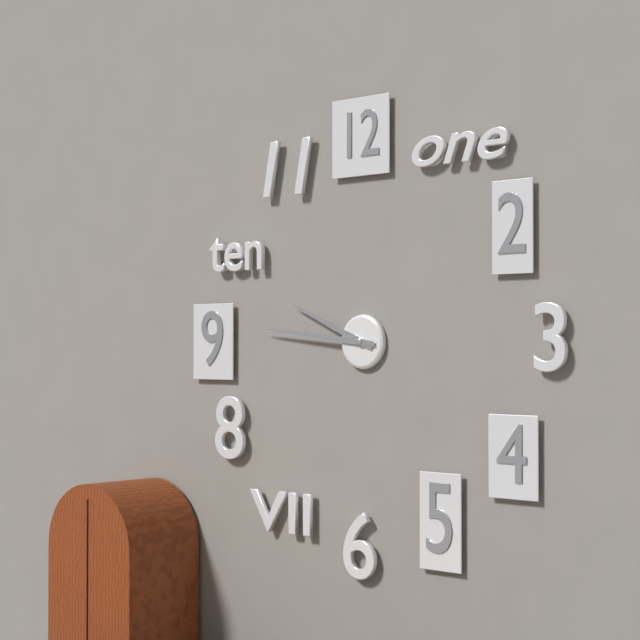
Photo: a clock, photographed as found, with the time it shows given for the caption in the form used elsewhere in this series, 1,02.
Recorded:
9,46
